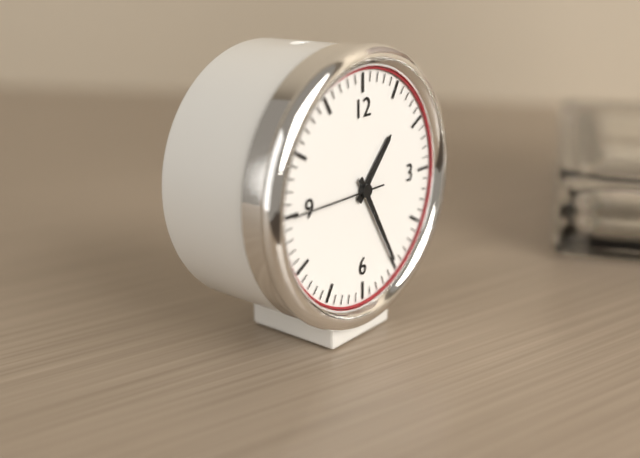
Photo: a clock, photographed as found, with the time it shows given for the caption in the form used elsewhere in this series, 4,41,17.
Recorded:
1,25,45
